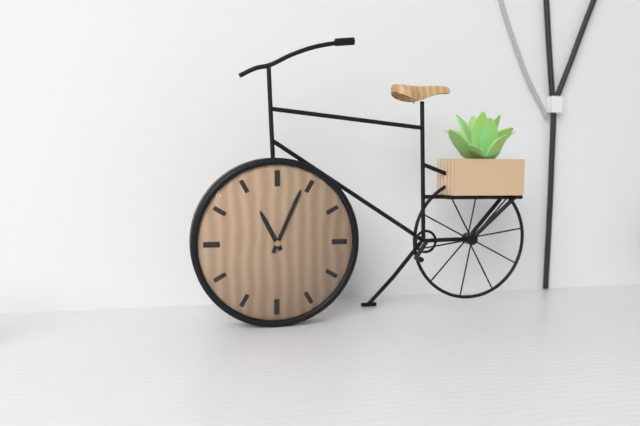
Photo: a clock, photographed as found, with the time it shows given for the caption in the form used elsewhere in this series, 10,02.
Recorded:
11,04
